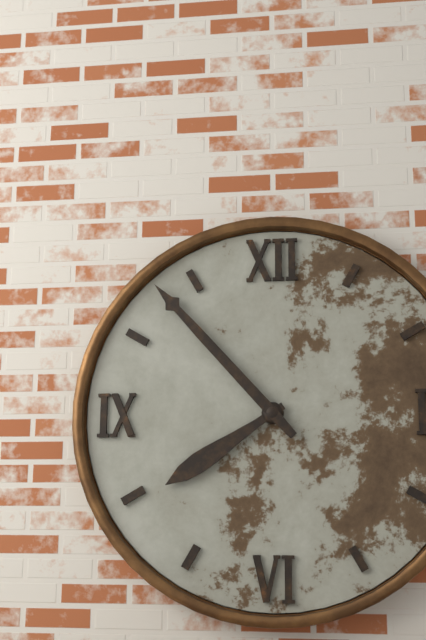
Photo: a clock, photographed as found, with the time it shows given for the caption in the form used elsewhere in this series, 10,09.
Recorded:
7,53
